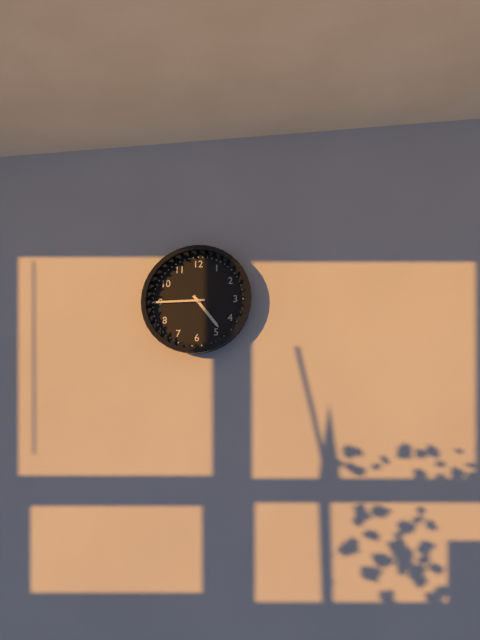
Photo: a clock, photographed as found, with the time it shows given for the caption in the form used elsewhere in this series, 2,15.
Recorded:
4,45
